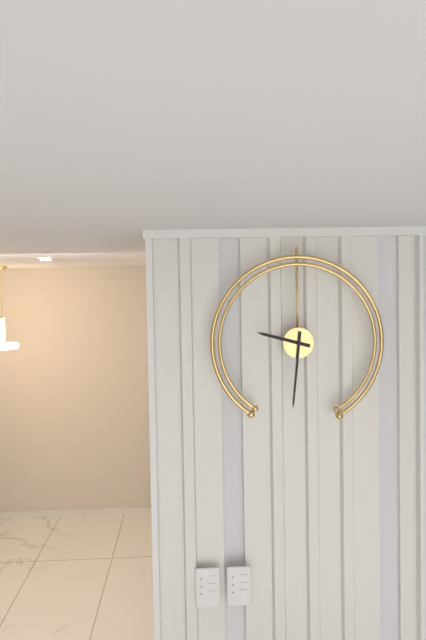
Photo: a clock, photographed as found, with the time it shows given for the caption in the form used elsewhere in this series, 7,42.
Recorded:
9,31
